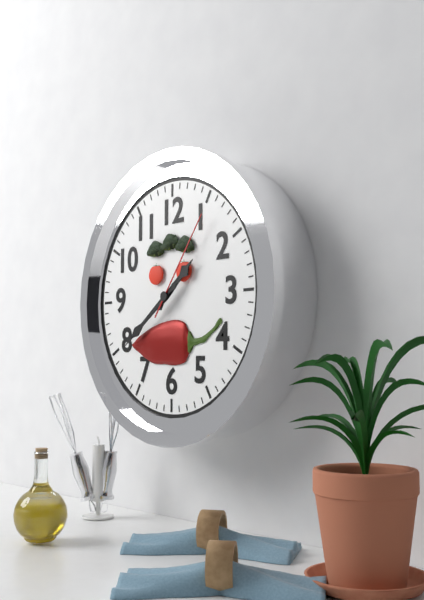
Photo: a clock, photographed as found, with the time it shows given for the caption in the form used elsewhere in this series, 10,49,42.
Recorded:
1,39,06
